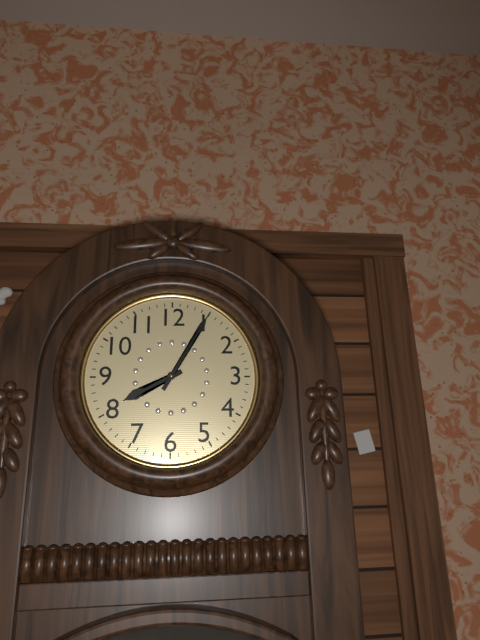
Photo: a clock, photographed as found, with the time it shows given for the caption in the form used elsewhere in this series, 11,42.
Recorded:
8,05
